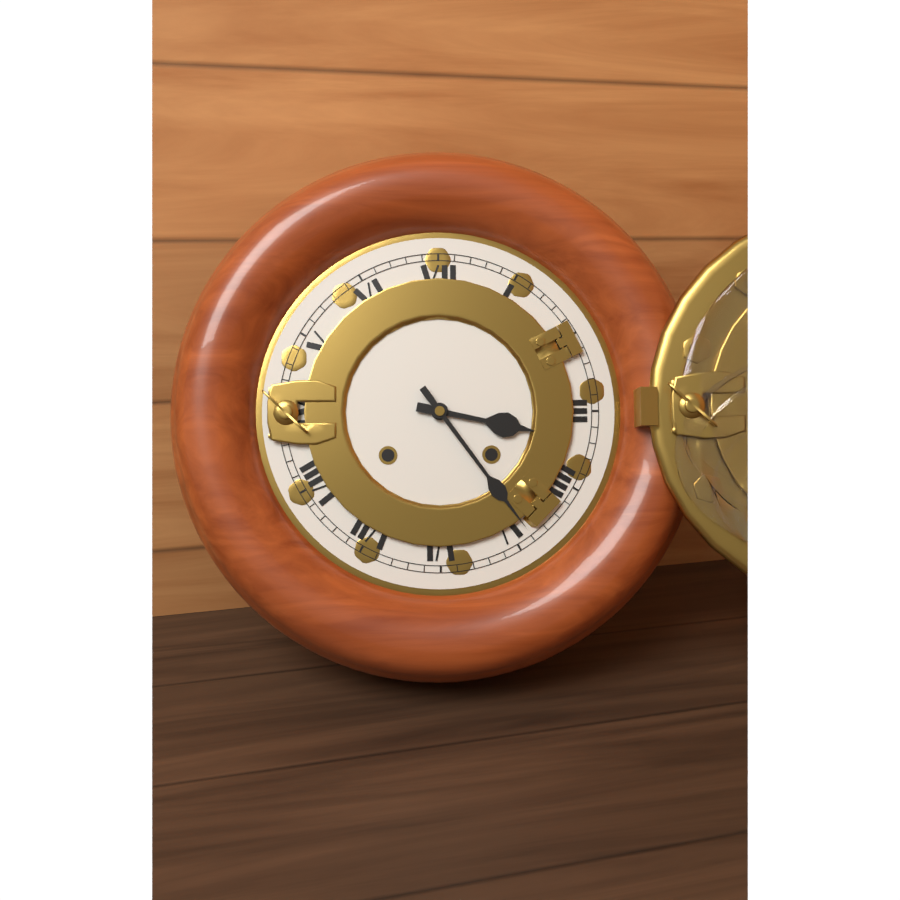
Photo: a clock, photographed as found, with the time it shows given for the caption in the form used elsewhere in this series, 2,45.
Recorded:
3,24
